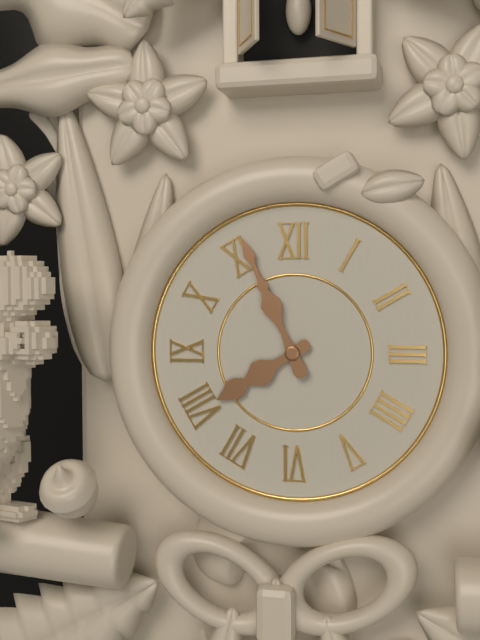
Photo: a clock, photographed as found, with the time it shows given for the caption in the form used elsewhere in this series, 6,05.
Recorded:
7,56
